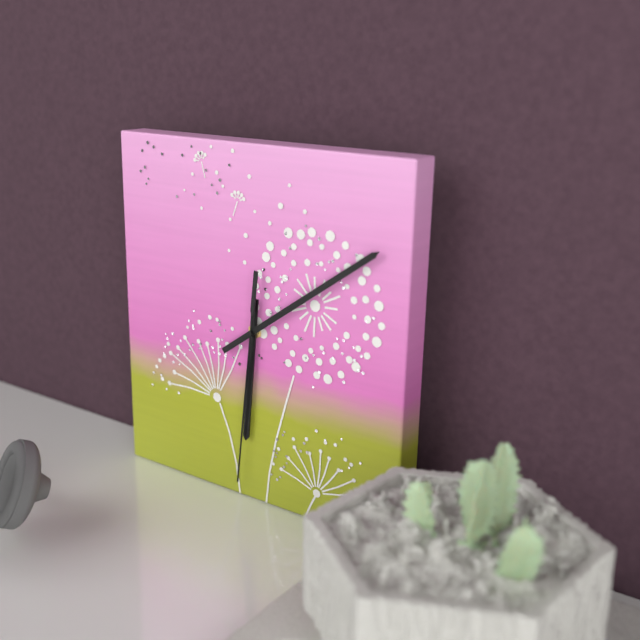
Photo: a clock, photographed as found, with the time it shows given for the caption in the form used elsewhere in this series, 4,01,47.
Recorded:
6,09,31
